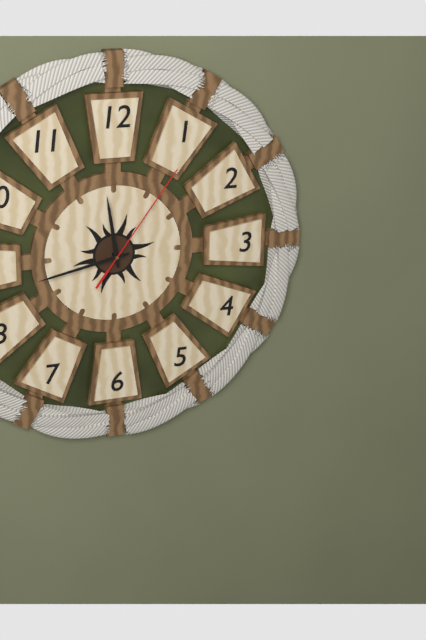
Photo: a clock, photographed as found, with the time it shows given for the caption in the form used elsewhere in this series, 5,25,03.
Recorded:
11,43,06
